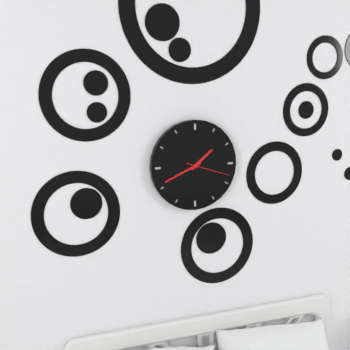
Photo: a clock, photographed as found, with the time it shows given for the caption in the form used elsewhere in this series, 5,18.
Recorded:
1,41
